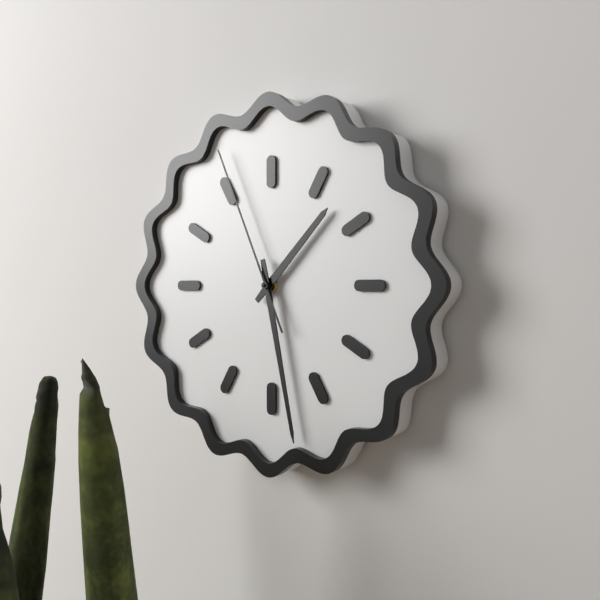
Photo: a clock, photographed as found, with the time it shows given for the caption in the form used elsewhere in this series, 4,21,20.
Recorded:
1,28,56
